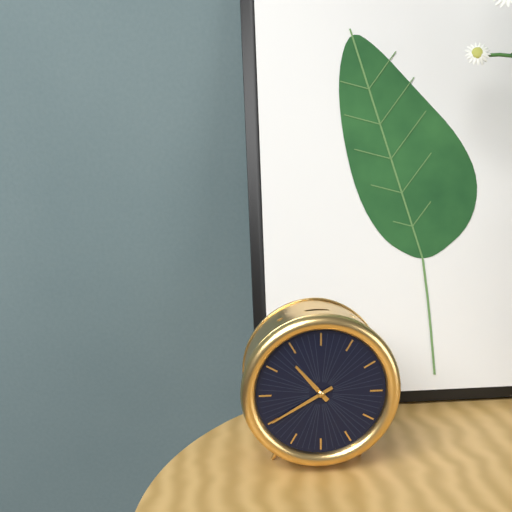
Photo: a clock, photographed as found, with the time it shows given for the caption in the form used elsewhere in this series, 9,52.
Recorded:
10,40
